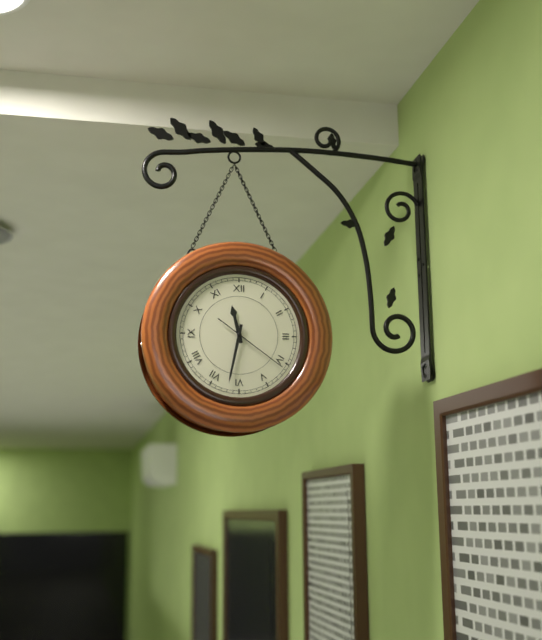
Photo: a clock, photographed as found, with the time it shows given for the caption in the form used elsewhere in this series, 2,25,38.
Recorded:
11,32,21
